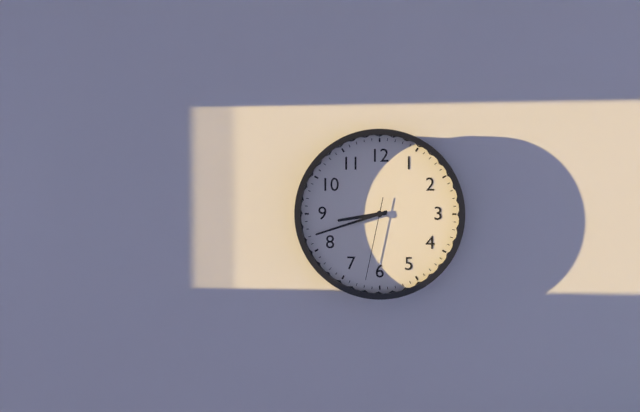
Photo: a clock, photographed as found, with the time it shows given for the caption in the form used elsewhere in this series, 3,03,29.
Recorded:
8,42,32
